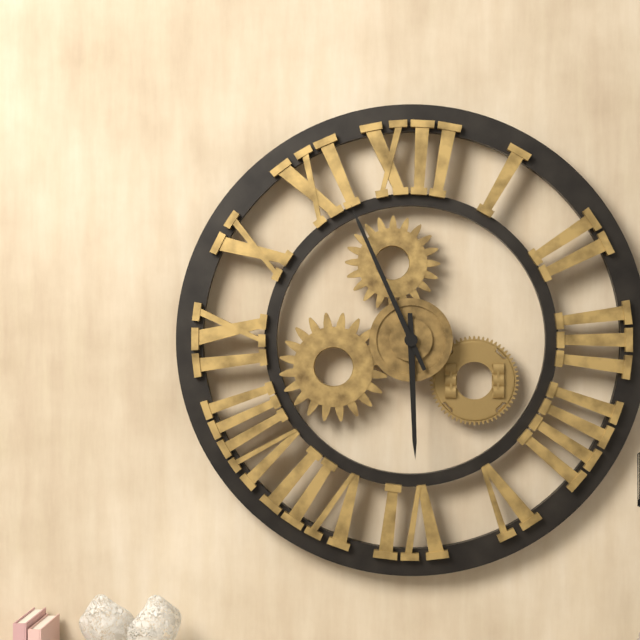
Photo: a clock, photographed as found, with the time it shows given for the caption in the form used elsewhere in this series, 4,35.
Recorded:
5,56
